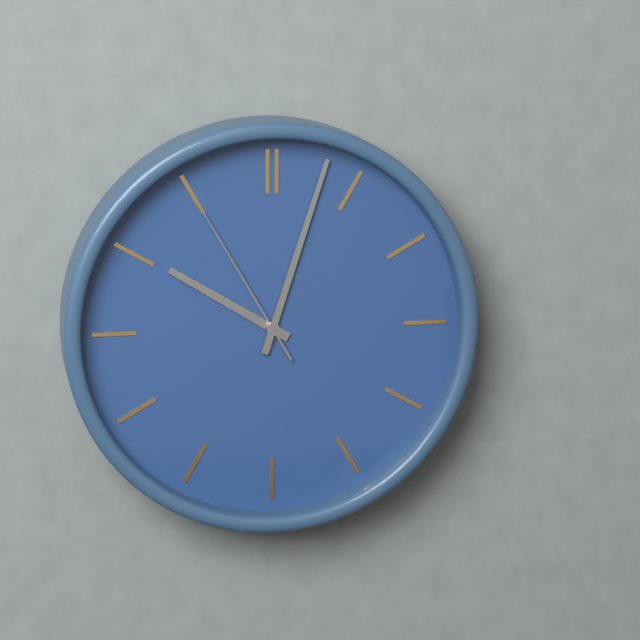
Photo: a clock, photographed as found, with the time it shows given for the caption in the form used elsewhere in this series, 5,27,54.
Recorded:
10,03,55
